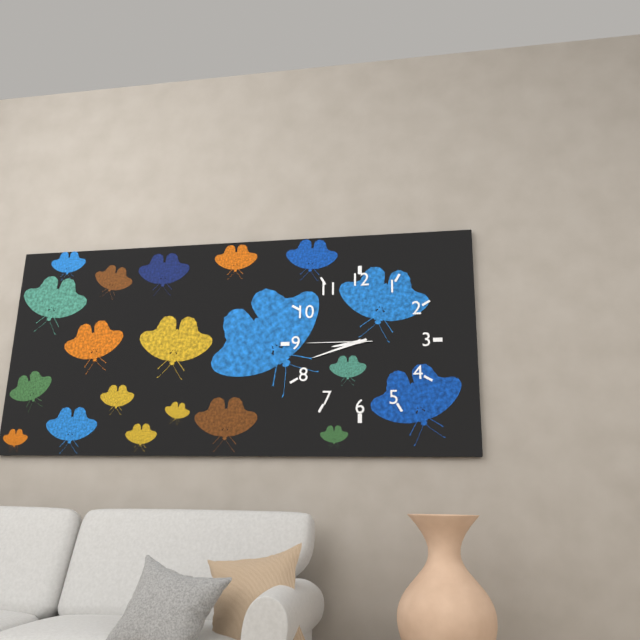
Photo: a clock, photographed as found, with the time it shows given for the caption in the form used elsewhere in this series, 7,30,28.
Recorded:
8,42,45
